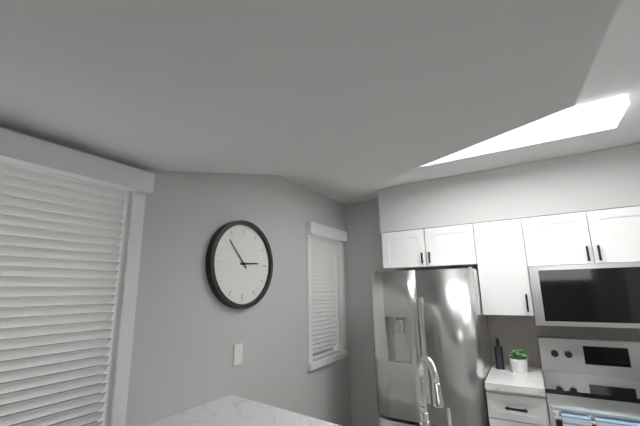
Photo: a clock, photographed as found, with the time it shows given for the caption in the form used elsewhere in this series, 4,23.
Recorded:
2,53
